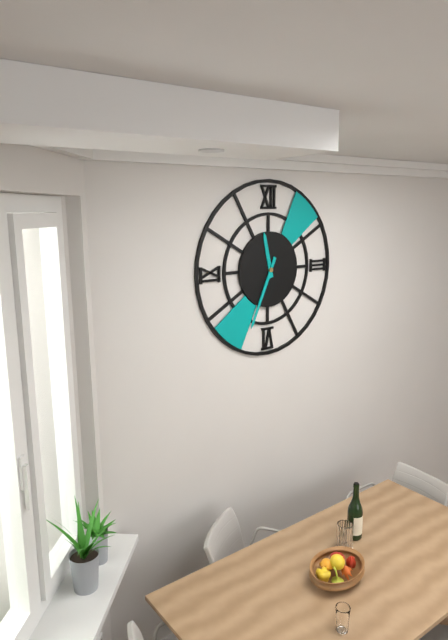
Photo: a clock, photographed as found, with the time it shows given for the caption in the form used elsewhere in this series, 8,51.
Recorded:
11,34
